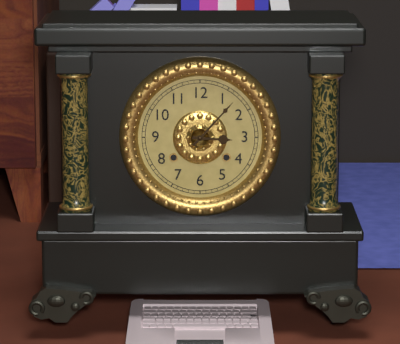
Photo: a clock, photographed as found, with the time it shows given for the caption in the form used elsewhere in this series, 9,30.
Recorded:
3,07
